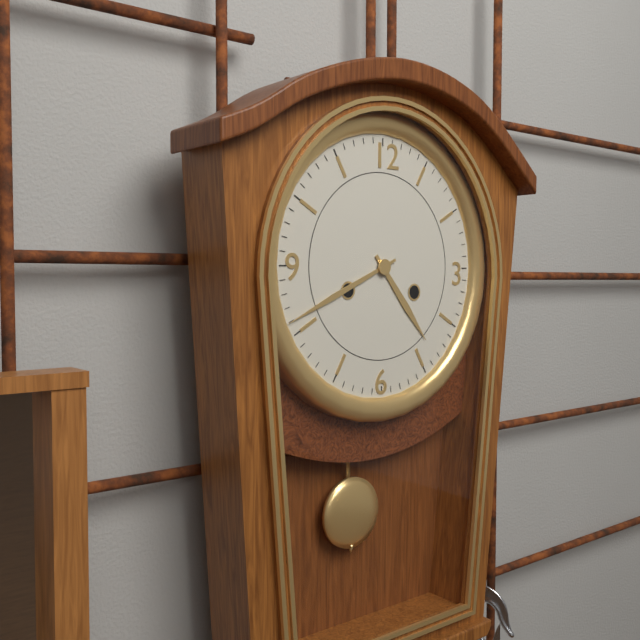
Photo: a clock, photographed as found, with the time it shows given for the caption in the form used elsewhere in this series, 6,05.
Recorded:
4,41
